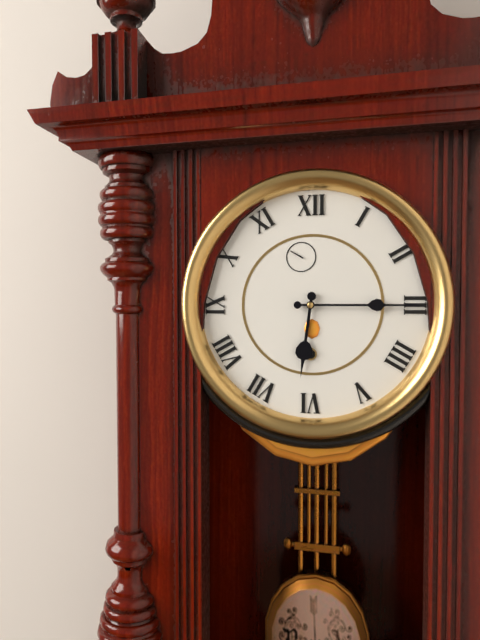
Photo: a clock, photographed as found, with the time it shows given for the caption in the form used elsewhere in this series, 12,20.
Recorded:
6,15
